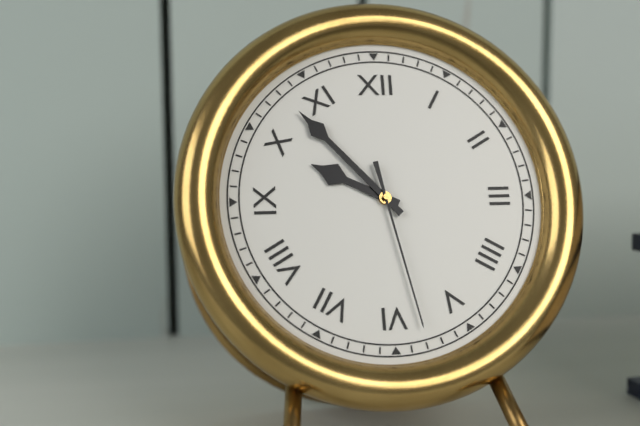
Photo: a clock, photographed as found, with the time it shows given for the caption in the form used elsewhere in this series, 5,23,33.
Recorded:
9,53,28
